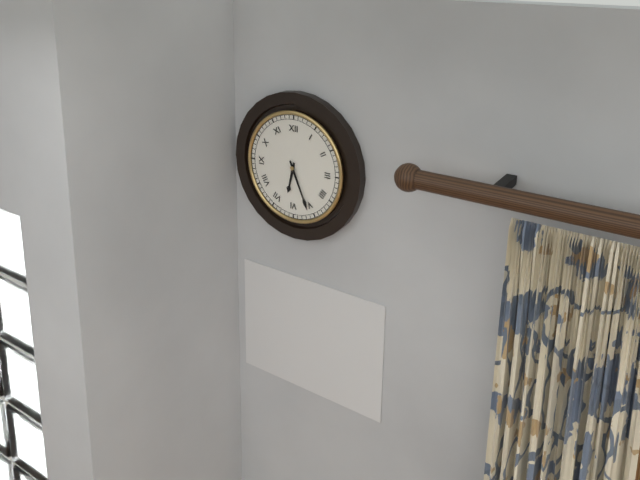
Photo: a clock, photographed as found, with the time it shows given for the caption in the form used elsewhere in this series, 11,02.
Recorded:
6,26
